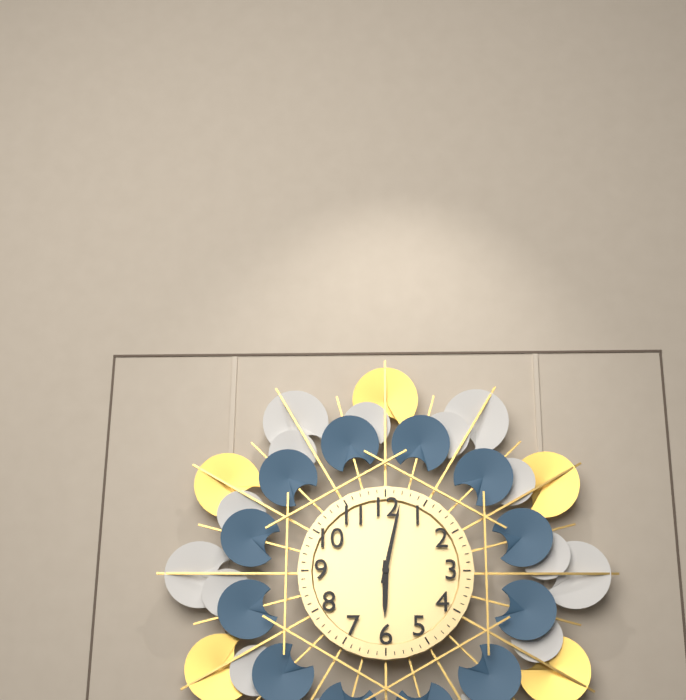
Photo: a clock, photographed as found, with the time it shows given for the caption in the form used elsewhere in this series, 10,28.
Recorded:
6,02
